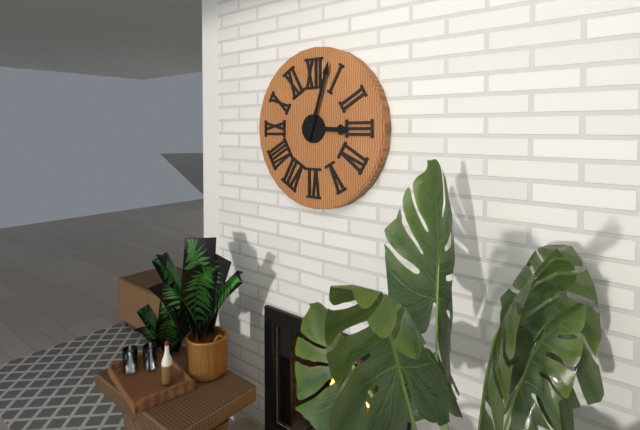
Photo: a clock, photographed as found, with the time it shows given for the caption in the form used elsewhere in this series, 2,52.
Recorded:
3,03
